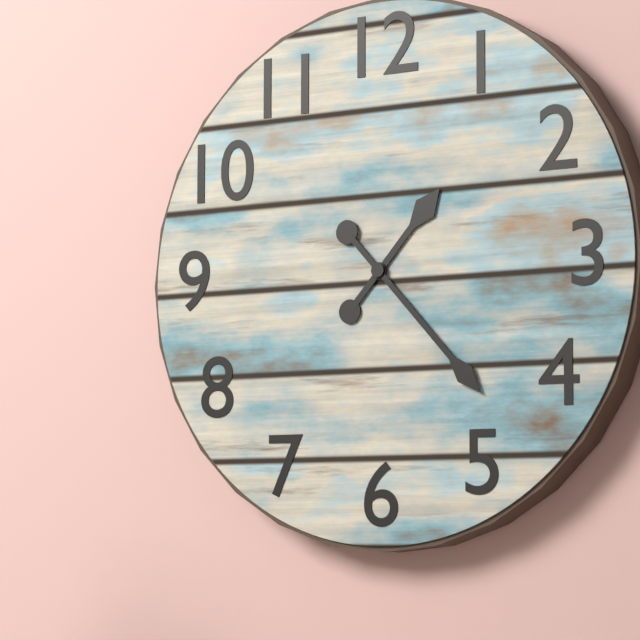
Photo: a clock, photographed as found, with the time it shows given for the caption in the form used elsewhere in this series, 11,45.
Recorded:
1,23
